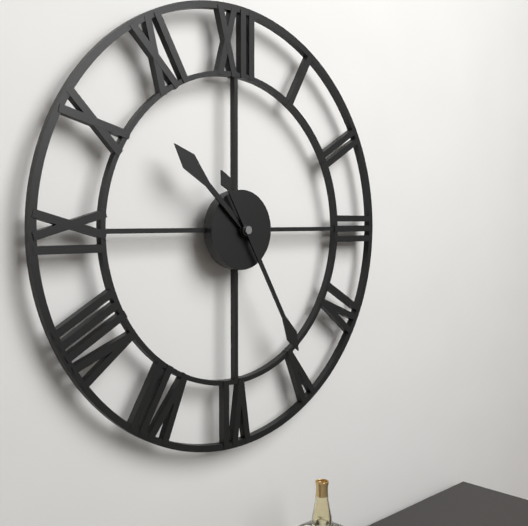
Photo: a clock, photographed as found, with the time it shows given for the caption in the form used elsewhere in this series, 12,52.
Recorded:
10,25
